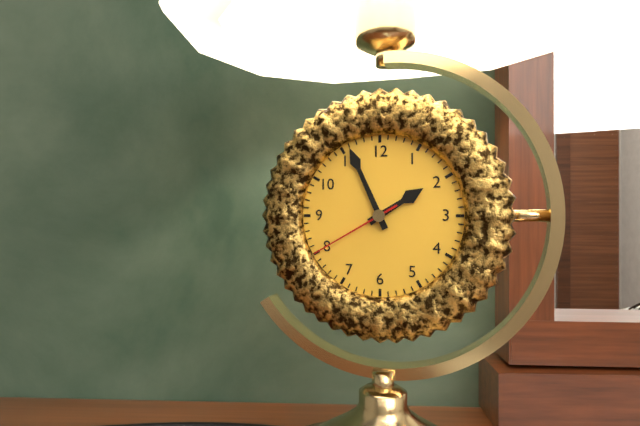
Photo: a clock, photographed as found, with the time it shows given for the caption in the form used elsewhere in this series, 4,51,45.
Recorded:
1,56,40
